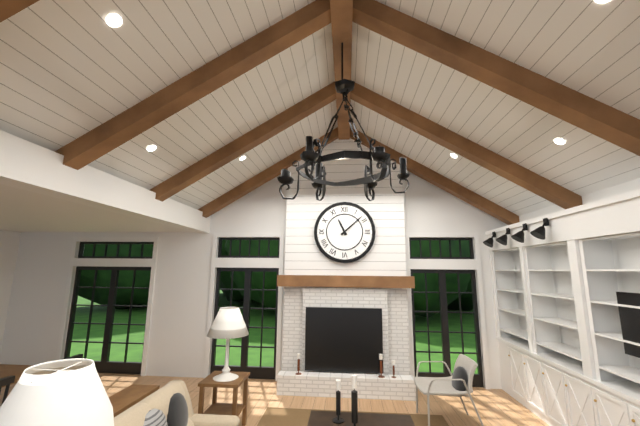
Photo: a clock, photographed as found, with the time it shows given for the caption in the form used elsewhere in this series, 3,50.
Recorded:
11,08
